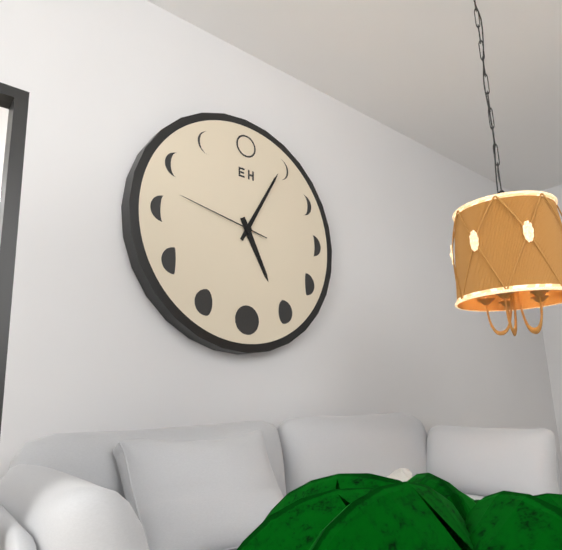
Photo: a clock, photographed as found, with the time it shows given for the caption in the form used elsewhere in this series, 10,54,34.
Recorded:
5,05,47
